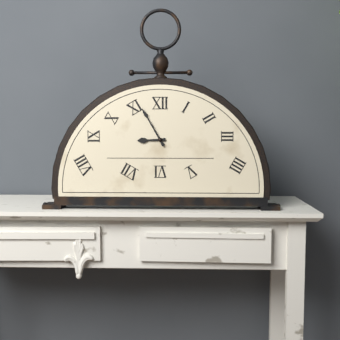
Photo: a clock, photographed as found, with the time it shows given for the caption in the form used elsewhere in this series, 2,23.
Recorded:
8,55
